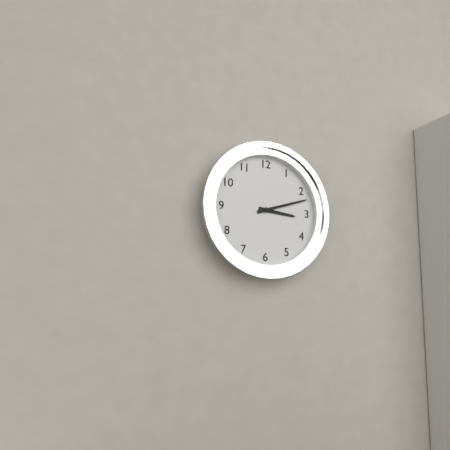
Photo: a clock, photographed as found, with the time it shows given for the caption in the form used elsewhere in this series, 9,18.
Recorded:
3,12
